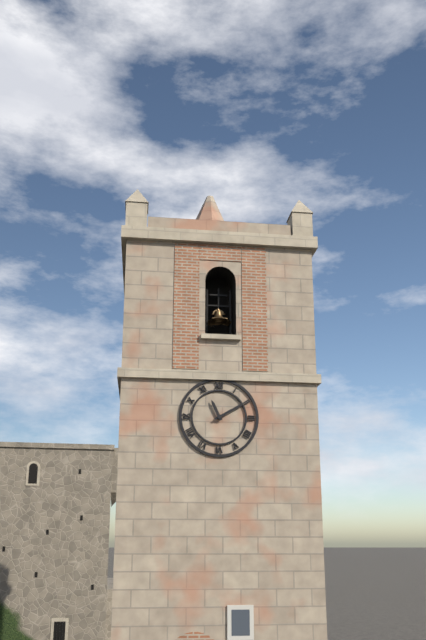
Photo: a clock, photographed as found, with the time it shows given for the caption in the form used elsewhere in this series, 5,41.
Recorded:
11,10
